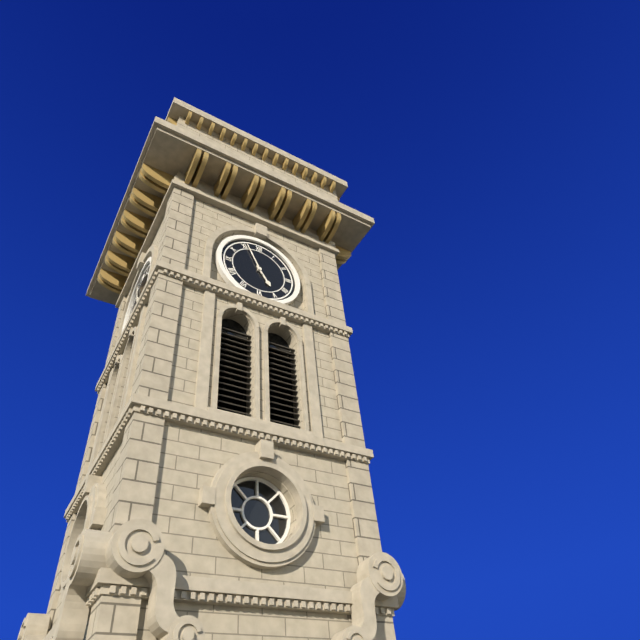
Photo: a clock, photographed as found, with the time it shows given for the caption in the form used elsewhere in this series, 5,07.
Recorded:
4,56
